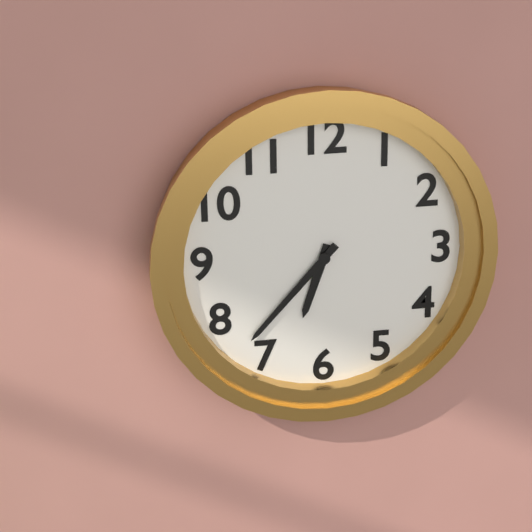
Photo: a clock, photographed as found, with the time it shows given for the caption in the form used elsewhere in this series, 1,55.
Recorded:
6,37
